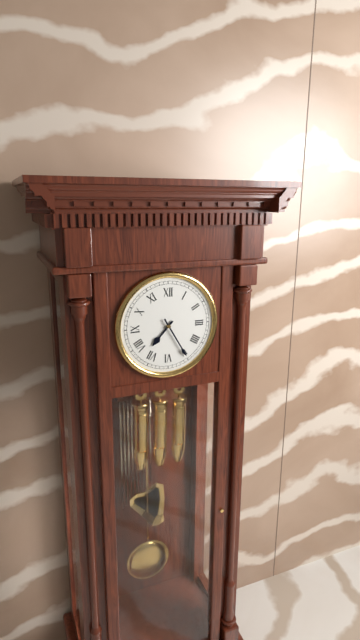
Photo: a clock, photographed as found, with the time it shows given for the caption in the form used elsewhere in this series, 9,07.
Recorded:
7,25
